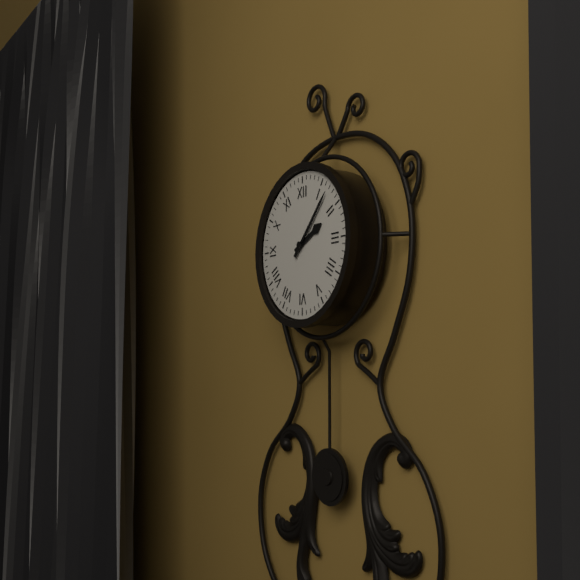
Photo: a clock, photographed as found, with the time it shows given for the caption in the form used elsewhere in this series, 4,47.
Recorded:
2,07
